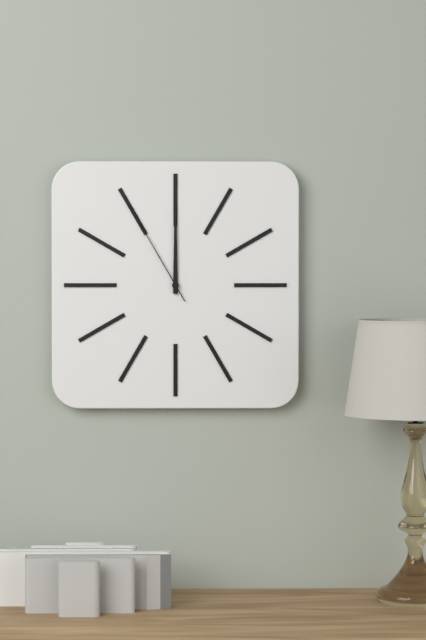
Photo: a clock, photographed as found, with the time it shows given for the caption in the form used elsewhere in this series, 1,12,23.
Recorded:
12,00,55
